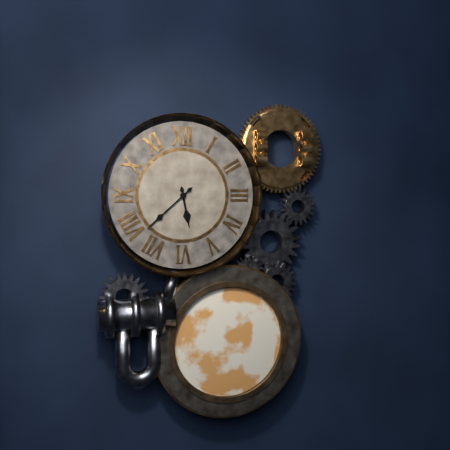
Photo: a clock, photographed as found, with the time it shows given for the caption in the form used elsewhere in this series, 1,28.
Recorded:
5,38
